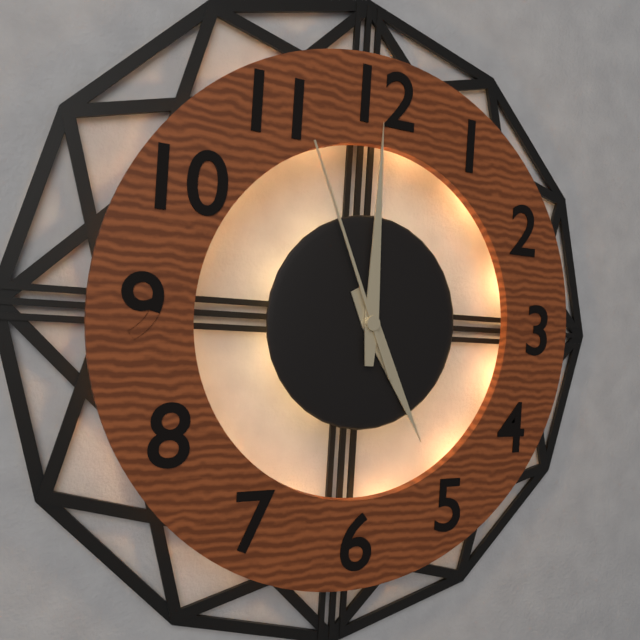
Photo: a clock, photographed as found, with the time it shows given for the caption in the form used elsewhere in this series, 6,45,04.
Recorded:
5,00,56
